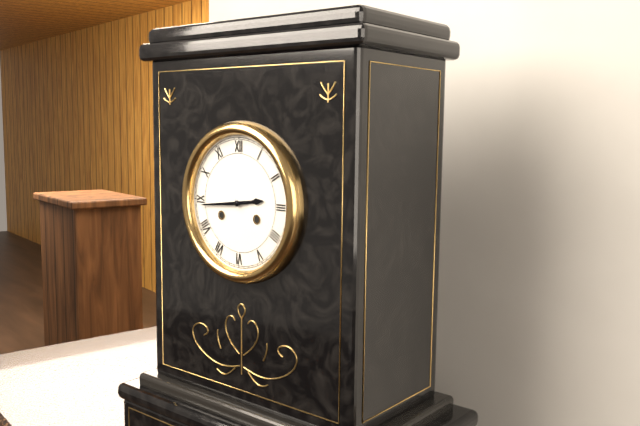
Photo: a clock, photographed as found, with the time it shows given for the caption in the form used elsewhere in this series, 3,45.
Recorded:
2,44
